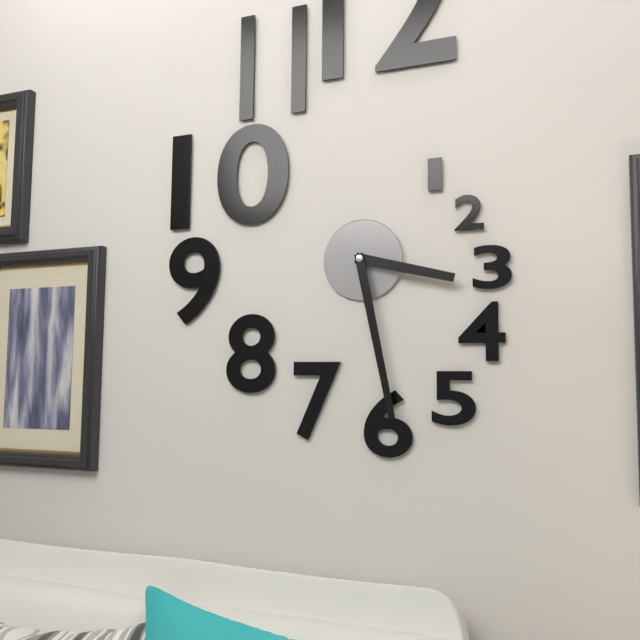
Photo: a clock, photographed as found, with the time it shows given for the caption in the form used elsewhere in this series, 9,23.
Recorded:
3,28
